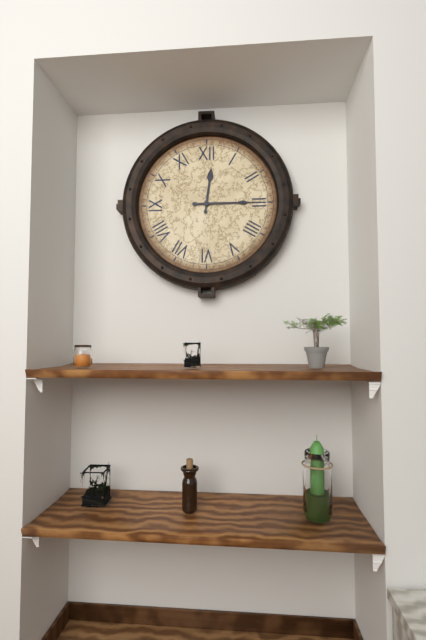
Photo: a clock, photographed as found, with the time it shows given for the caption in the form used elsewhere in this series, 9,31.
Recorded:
12,15
